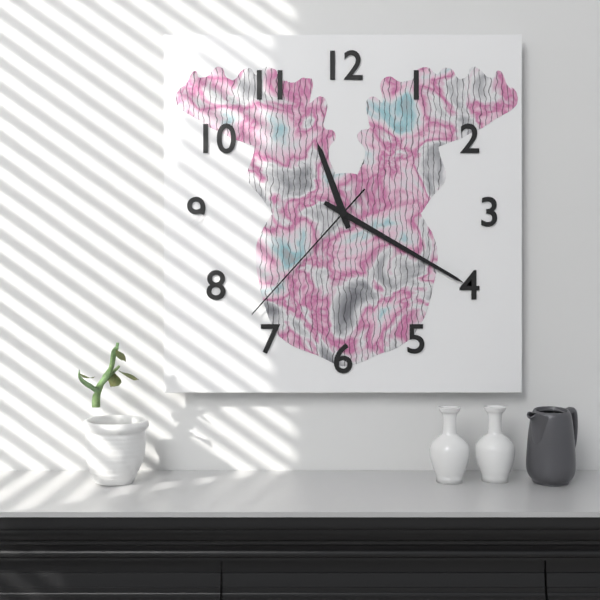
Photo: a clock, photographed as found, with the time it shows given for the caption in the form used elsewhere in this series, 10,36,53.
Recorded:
11,20,37
